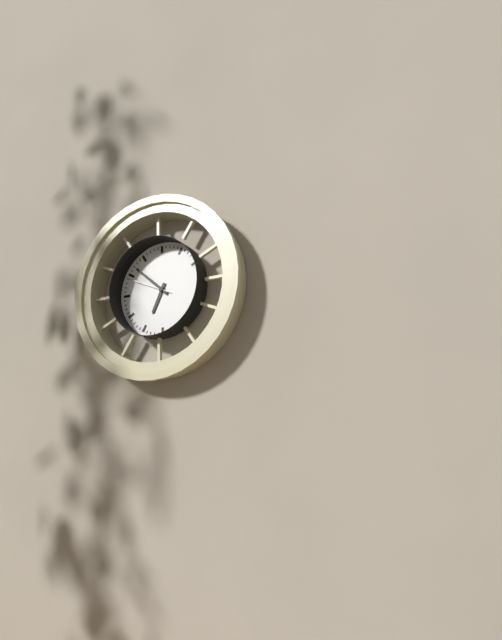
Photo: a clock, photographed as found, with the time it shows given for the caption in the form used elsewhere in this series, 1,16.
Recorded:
6,52
